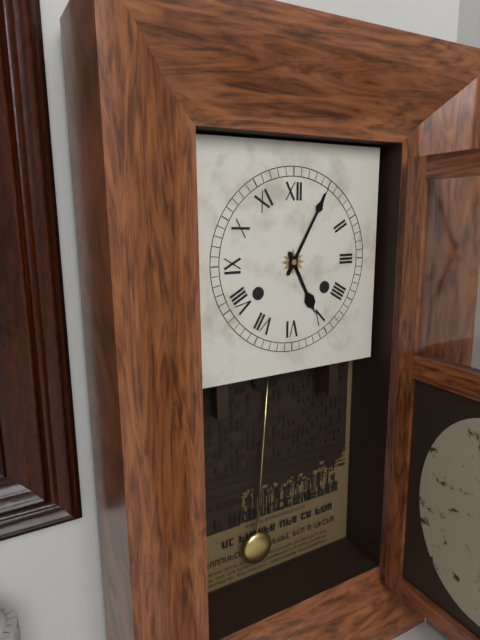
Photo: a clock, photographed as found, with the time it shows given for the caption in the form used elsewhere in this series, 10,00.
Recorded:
5,05
